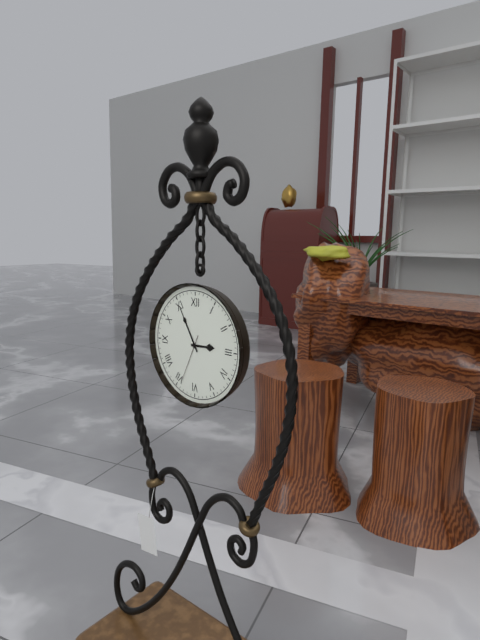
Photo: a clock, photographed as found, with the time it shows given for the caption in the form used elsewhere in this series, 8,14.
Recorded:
2,55
